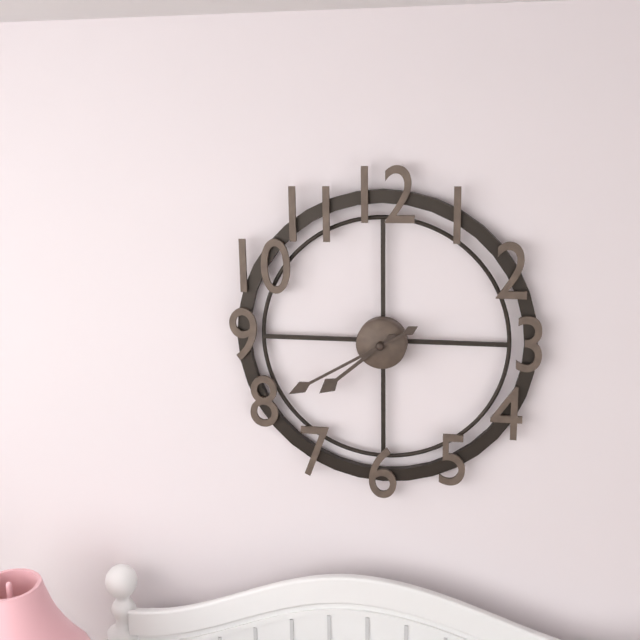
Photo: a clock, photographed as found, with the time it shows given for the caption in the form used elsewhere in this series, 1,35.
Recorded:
7,40
